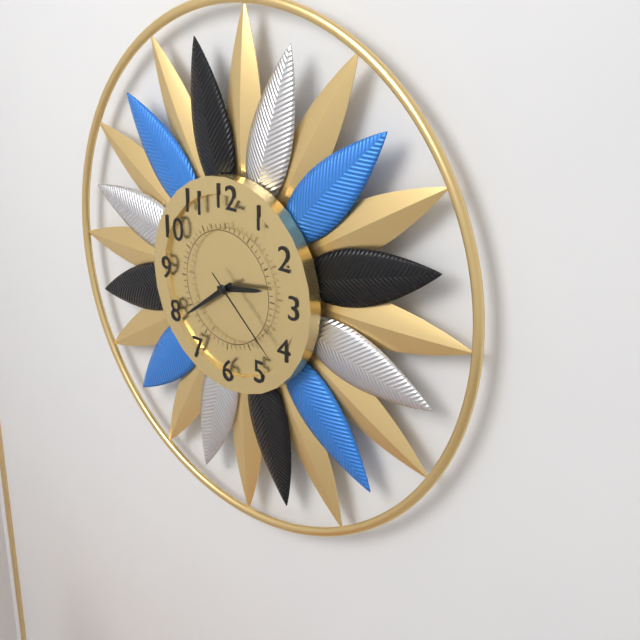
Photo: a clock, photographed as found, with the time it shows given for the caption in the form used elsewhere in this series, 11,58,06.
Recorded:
2,39,22
